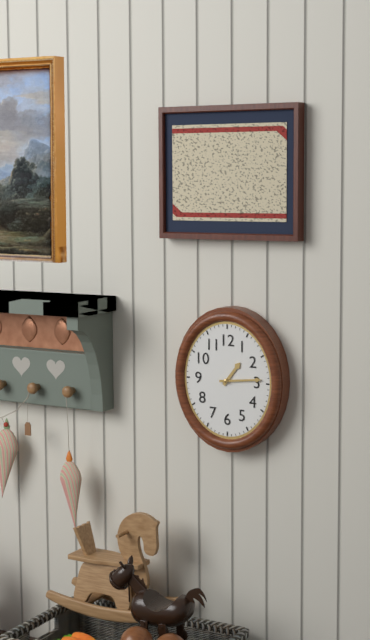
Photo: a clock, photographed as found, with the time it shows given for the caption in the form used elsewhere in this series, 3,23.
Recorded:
1,14
